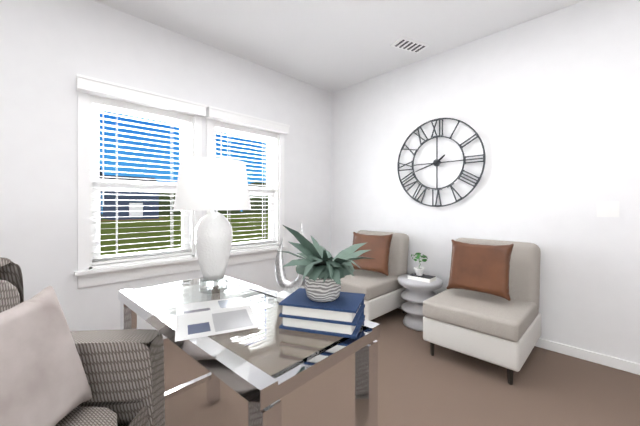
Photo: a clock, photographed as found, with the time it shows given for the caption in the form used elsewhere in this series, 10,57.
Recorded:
1,42
